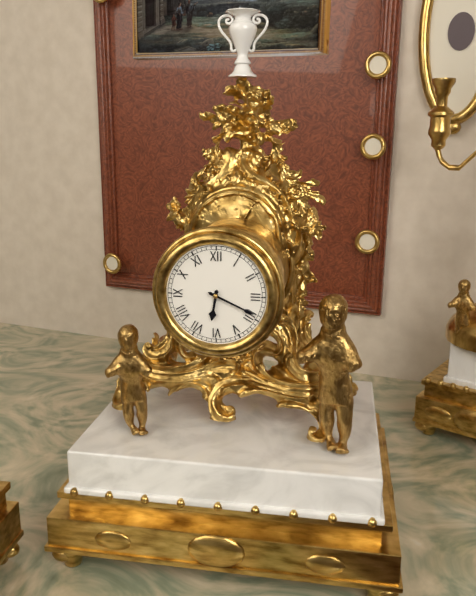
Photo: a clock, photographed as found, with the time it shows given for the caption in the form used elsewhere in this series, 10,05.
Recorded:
6,19
